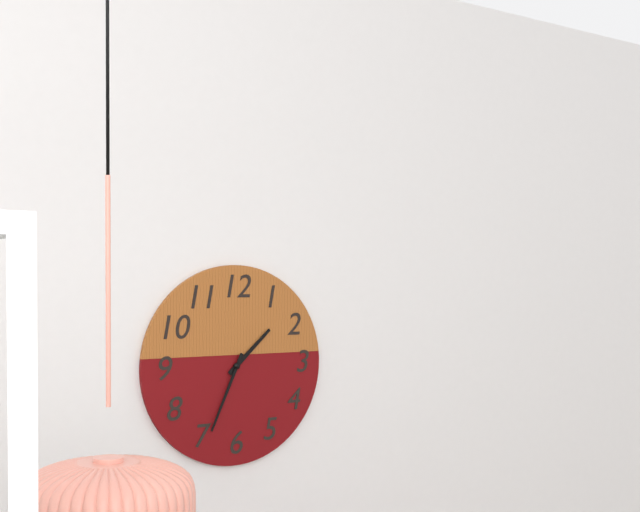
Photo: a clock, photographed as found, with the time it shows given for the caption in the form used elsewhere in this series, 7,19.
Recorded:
1,34
